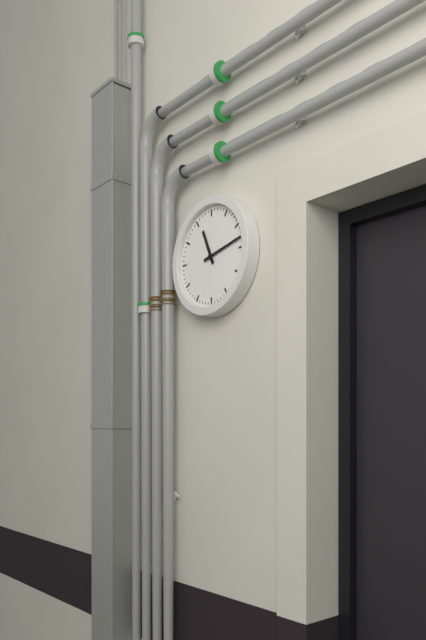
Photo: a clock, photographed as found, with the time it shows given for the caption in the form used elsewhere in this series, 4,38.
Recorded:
11,13
